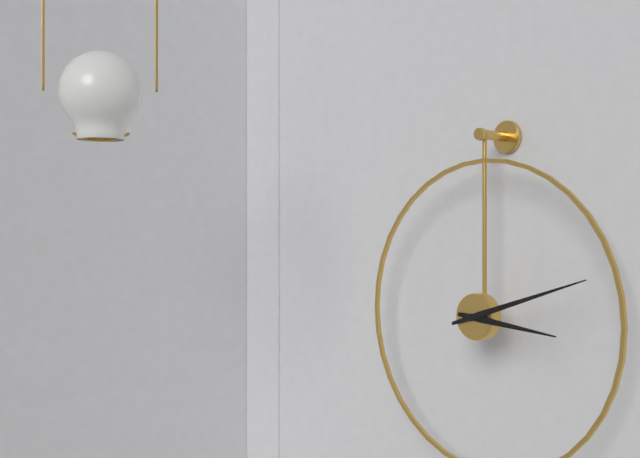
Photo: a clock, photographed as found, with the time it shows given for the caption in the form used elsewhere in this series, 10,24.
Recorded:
3,12
